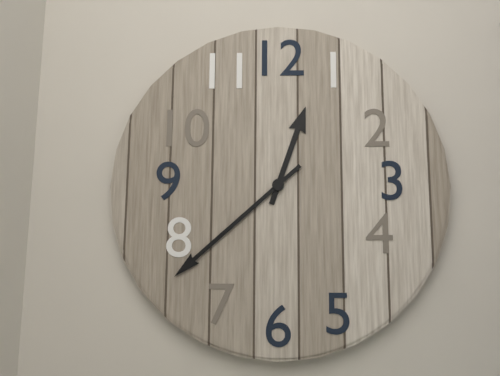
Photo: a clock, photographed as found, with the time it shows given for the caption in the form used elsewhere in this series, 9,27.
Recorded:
12,38
